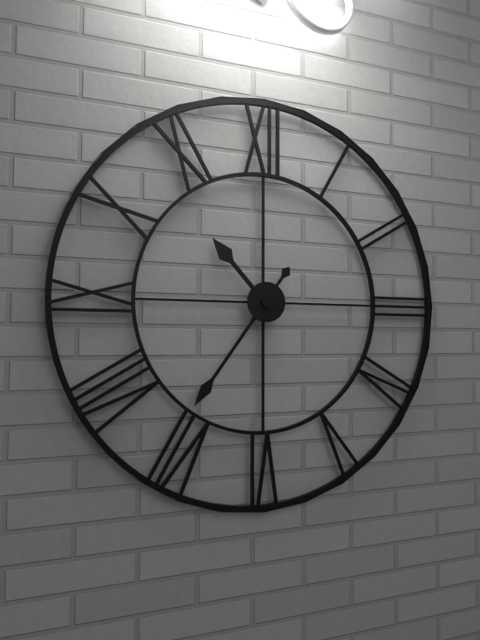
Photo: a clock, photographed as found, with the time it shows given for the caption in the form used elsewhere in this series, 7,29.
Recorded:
10,36
